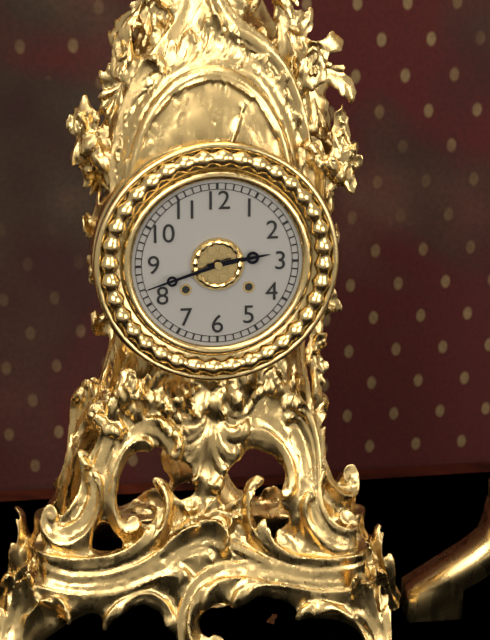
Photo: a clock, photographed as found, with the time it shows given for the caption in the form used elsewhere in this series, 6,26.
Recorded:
2,42
